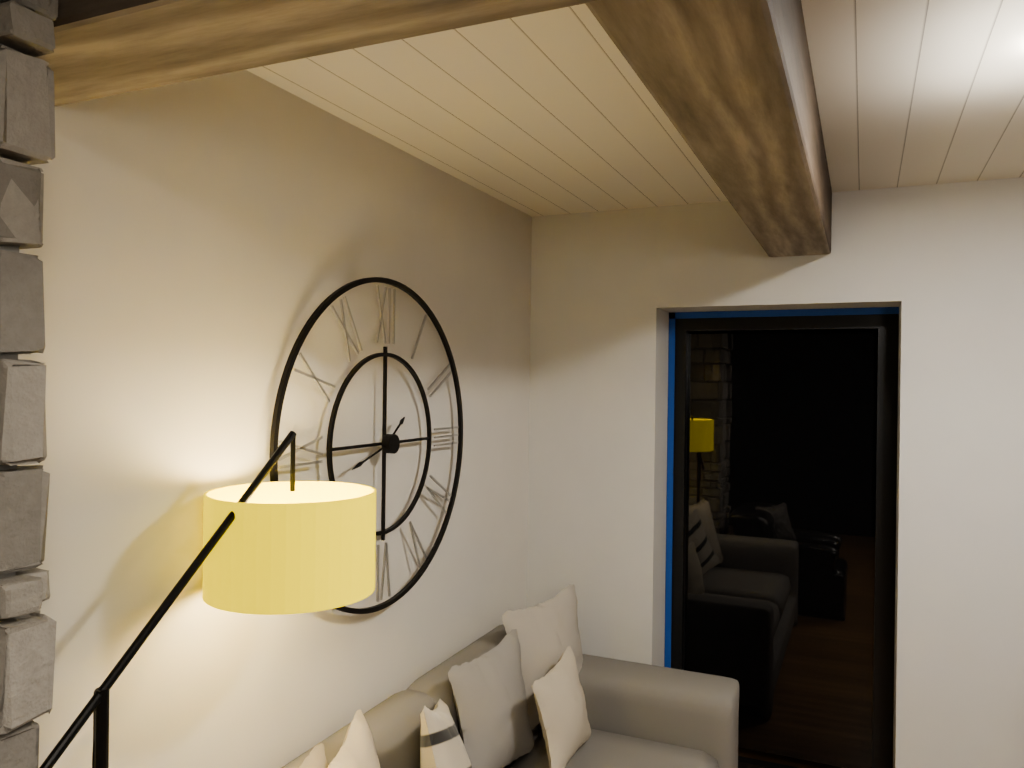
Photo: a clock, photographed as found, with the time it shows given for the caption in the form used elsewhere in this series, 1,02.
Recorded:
1,42
